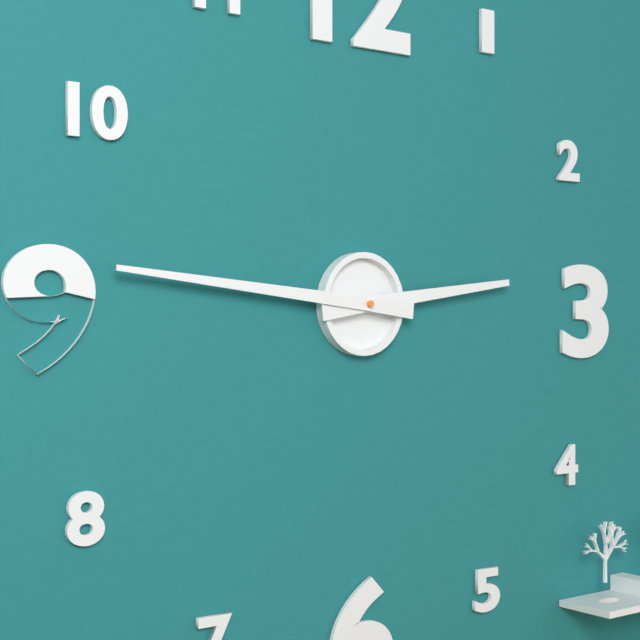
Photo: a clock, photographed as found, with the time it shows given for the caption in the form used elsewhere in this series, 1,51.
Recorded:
2,46
